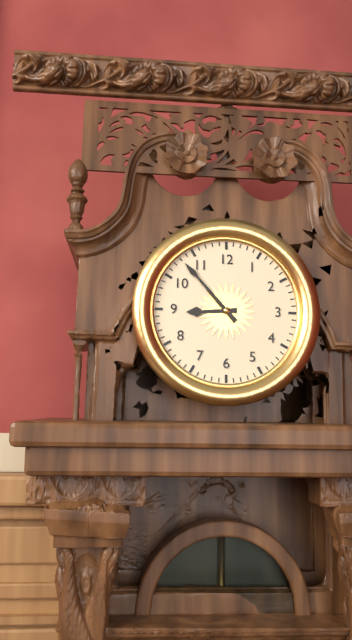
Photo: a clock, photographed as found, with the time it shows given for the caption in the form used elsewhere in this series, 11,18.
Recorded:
8,53
